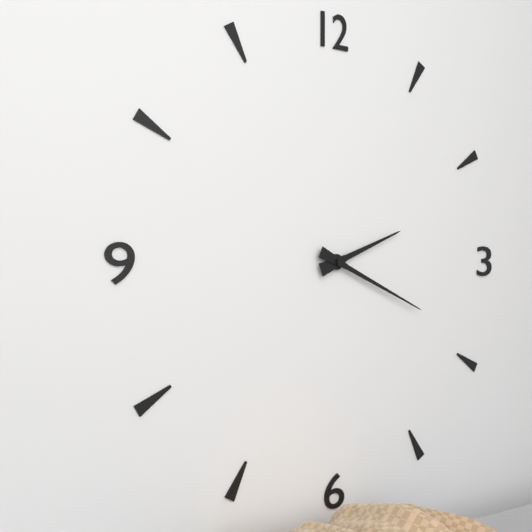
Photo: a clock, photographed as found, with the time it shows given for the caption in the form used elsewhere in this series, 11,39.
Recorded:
2,19
